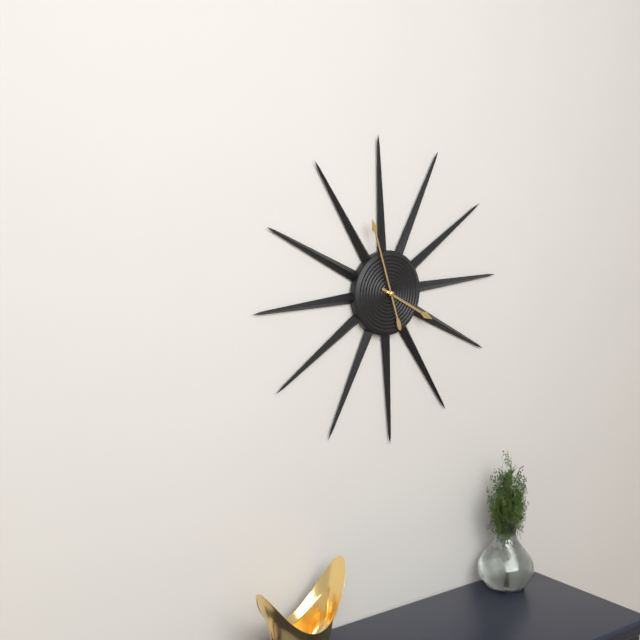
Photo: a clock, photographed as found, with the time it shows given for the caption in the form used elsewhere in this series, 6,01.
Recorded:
3,57
